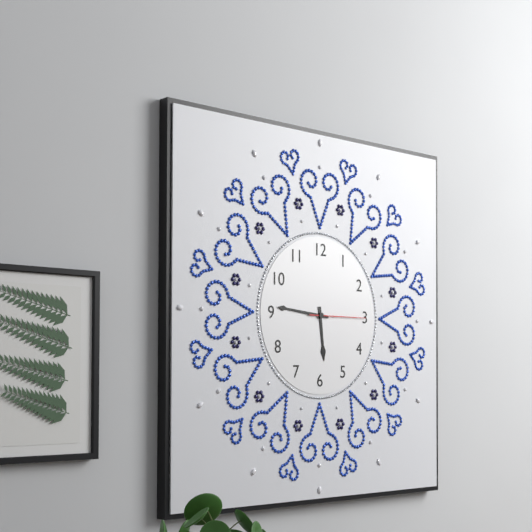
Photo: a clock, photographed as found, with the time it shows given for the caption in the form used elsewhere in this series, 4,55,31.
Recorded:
5,46,15
